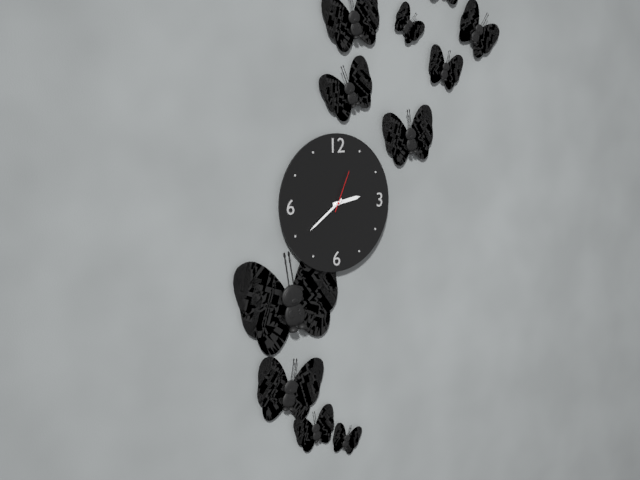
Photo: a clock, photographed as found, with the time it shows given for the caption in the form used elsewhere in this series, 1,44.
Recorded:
2,39
